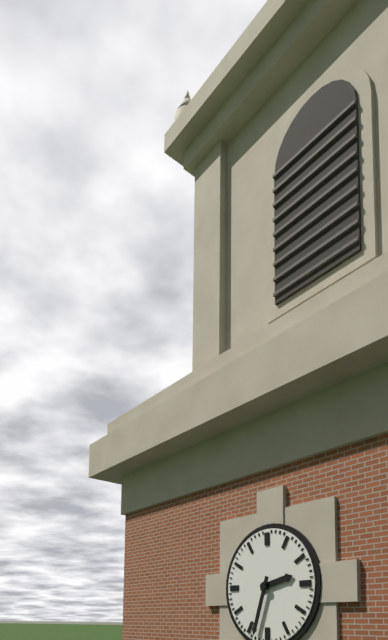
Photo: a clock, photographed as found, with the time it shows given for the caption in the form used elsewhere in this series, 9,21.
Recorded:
2,33
